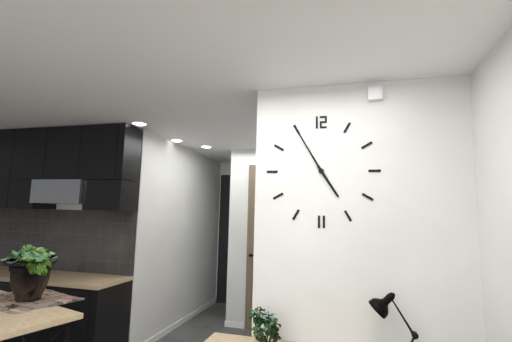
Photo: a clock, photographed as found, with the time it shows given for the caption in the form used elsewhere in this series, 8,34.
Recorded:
4,55
